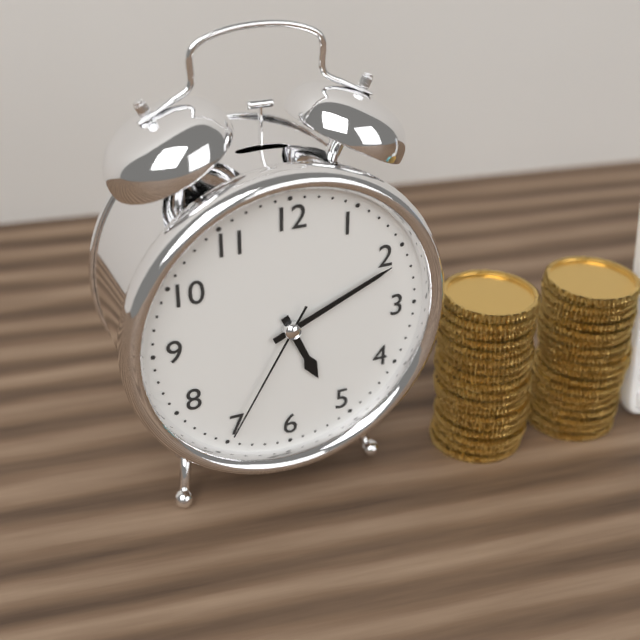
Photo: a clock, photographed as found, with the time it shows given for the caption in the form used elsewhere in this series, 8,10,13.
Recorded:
5,11,35
